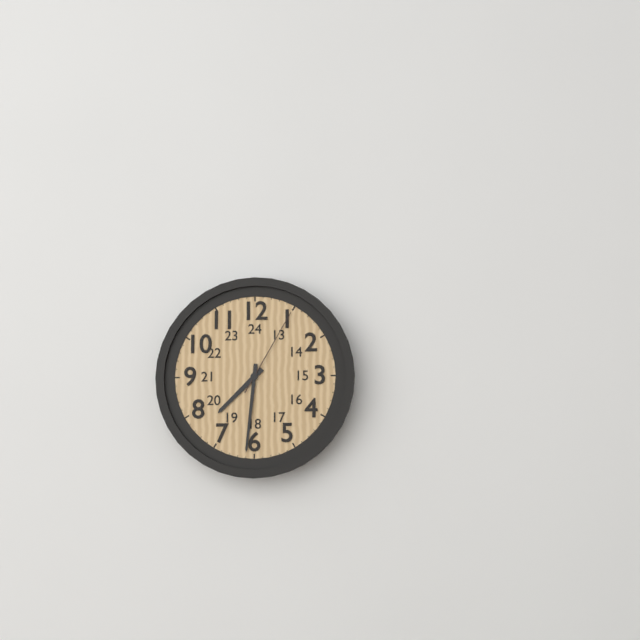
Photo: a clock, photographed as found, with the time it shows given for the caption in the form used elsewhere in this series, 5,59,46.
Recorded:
7,31,05
